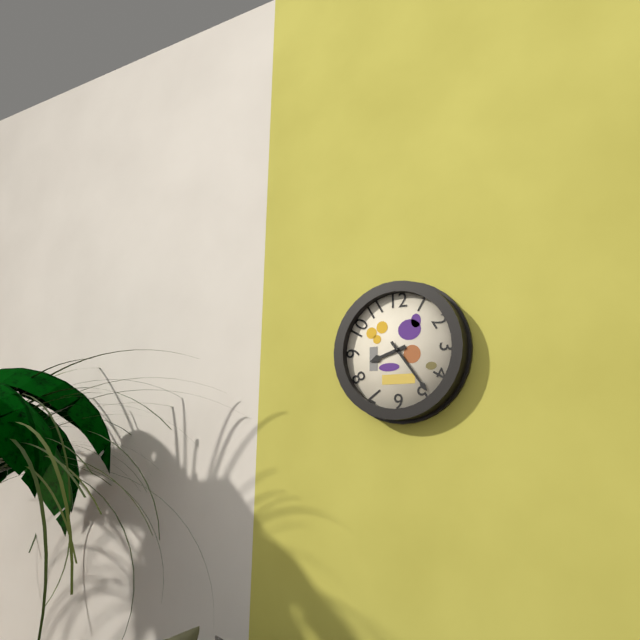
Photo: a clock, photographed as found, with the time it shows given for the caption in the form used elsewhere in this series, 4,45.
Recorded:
8,24
